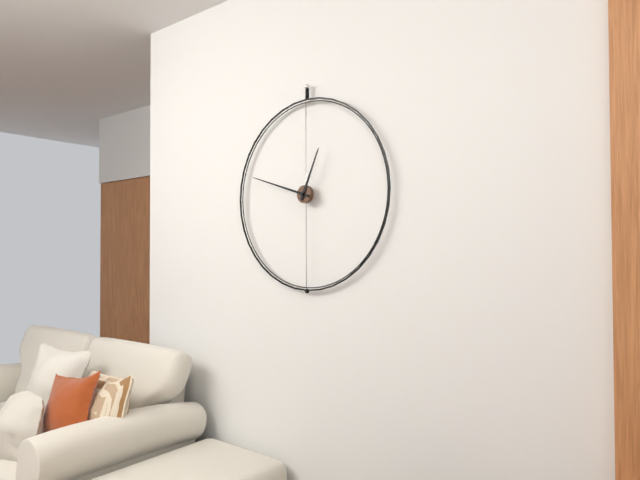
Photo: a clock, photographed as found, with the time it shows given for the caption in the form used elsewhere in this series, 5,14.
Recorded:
12,48
